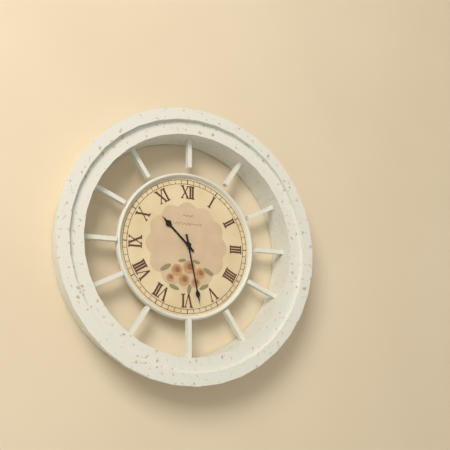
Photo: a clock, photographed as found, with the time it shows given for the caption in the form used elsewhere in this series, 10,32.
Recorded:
10,28
